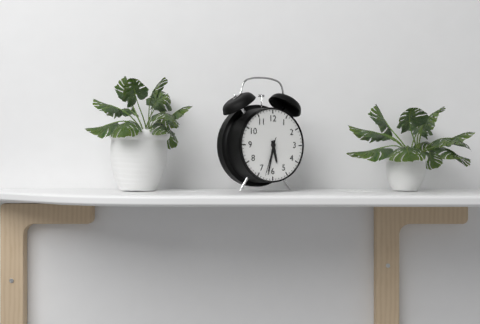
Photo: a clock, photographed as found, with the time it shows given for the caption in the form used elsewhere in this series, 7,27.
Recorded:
5,32
